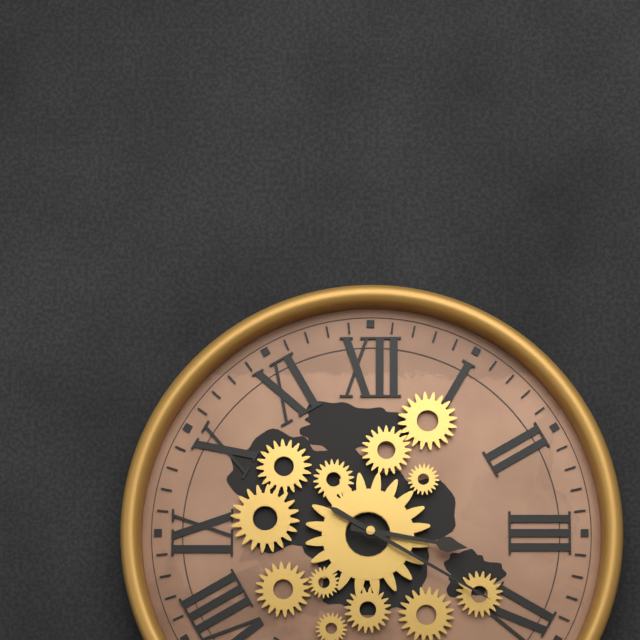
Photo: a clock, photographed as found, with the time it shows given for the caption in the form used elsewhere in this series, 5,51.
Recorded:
3,20
